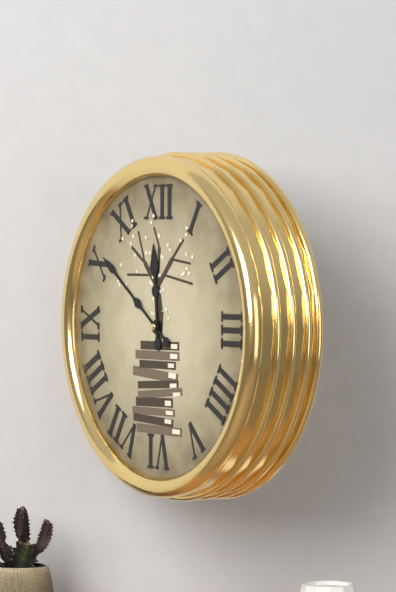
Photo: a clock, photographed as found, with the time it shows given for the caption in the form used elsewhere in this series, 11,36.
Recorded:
11,51
